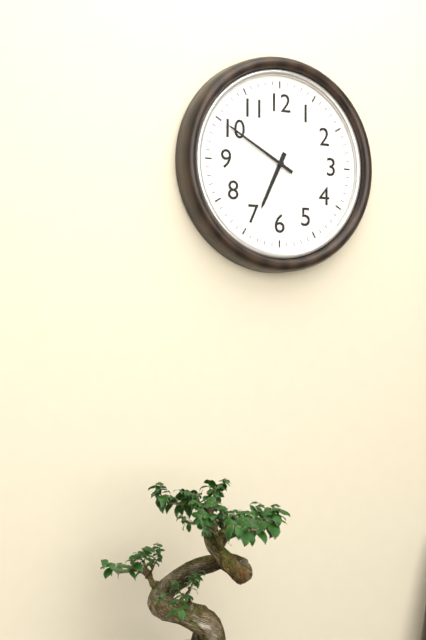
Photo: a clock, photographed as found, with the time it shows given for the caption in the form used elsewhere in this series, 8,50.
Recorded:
6,50
